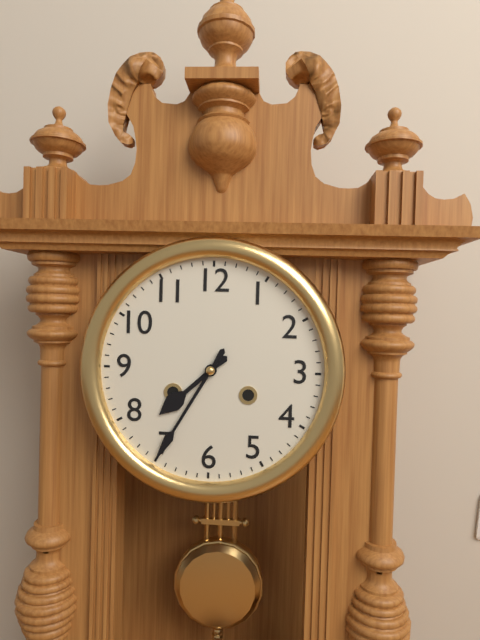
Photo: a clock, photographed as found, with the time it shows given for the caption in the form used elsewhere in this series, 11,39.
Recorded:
7,35
